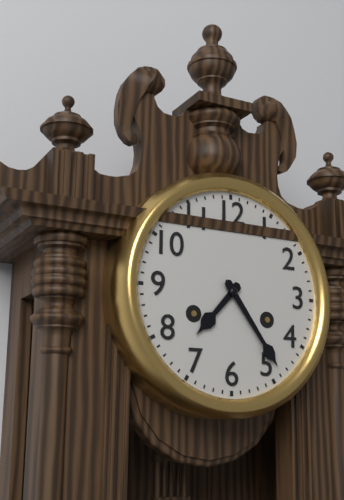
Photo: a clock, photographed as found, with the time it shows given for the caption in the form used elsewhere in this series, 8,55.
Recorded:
7,24
